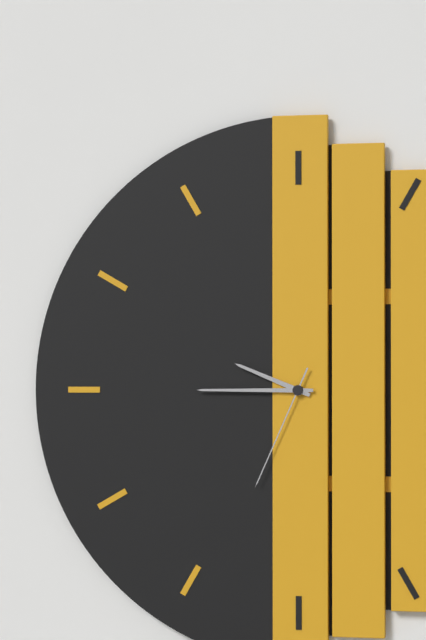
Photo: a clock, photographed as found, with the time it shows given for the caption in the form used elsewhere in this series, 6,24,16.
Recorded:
9,45,34
